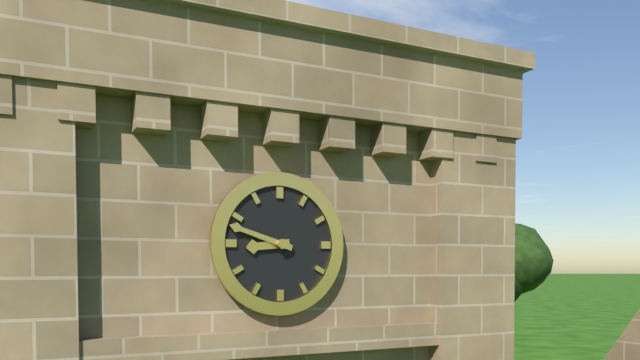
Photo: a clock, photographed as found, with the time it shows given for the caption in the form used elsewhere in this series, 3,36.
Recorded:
8,48
